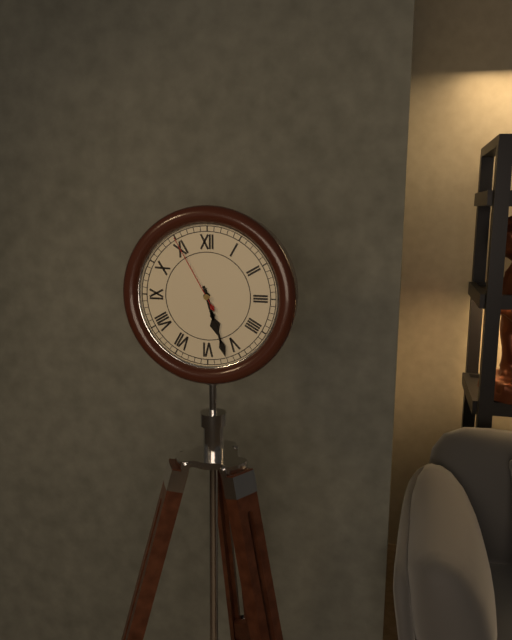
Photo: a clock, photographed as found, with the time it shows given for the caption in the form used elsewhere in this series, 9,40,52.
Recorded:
5,27,55
